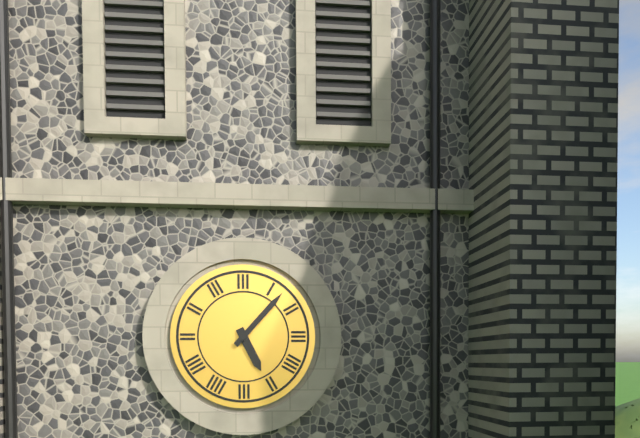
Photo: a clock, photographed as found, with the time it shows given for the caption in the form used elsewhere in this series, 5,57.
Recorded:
5,07
